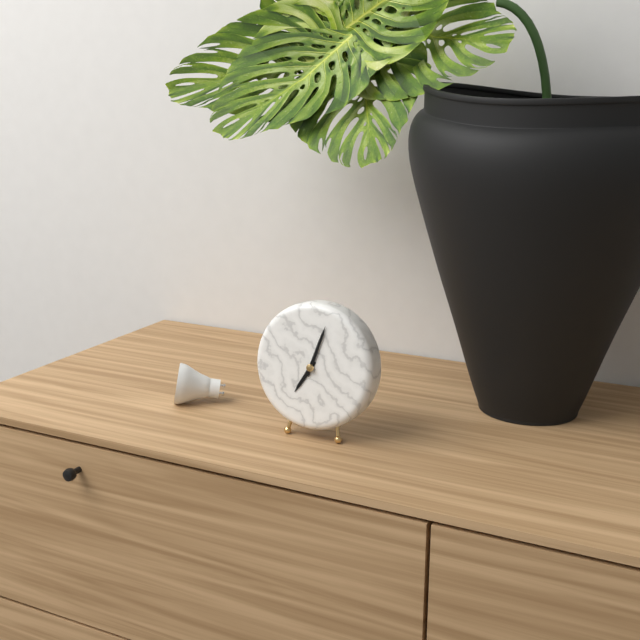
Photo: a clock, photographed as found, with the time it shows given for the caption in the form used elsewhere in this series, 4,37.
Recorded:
7,03
